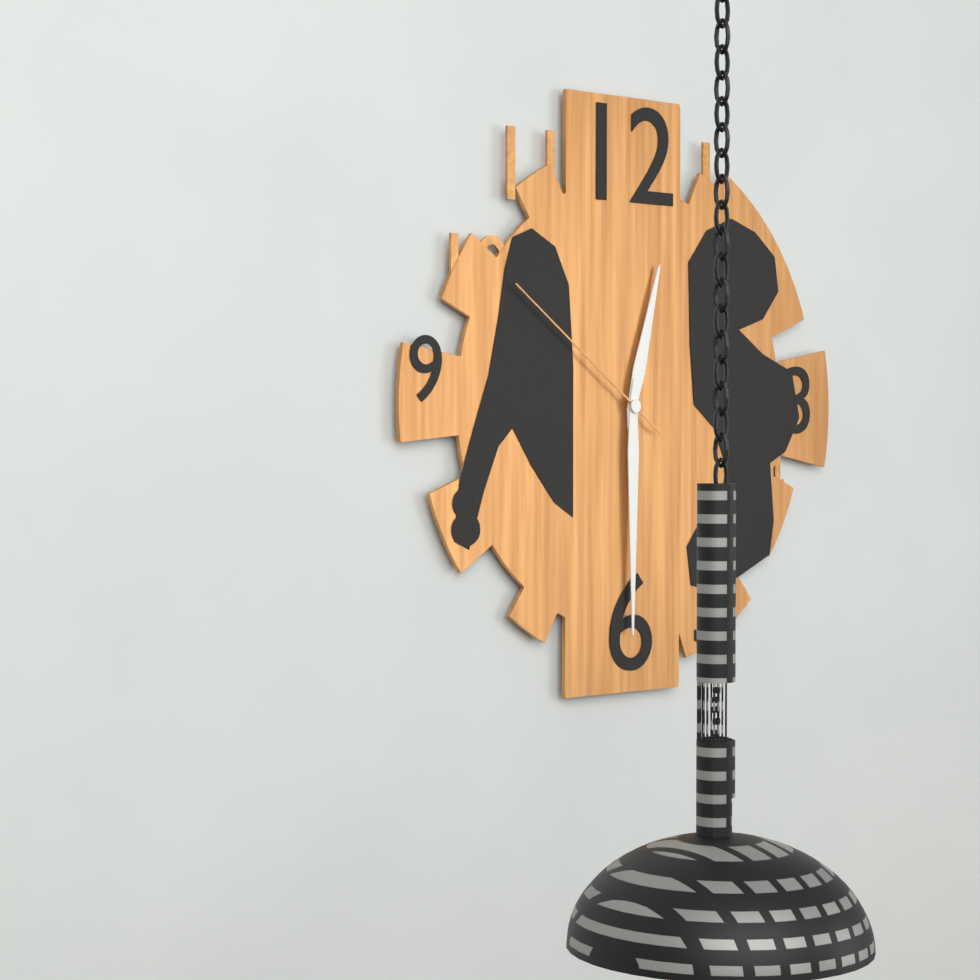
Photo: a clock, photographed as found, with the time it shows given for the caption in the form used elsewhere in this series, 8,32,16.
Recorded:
12,30,51
